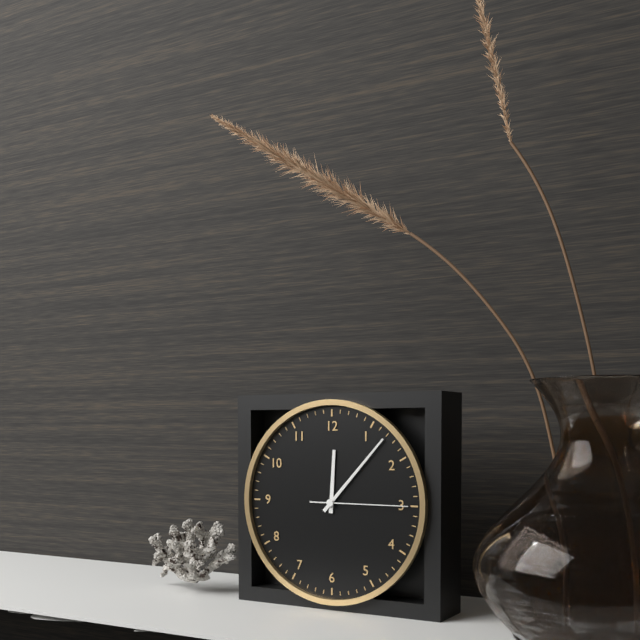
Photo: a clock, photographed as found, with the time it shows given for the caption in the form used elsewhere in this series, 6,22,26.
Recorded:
12,07,15
